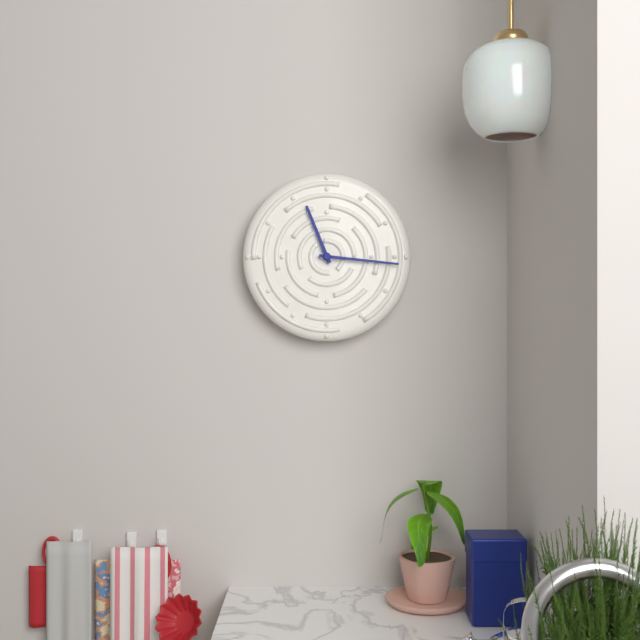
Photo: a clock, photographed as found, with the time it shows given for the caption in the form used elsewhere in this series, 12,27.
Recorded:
11,16
